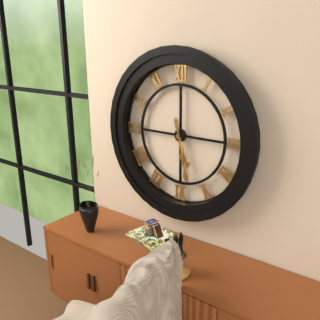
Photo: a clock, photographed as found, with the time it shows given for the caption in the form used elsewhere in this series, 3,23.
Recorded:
5,28
